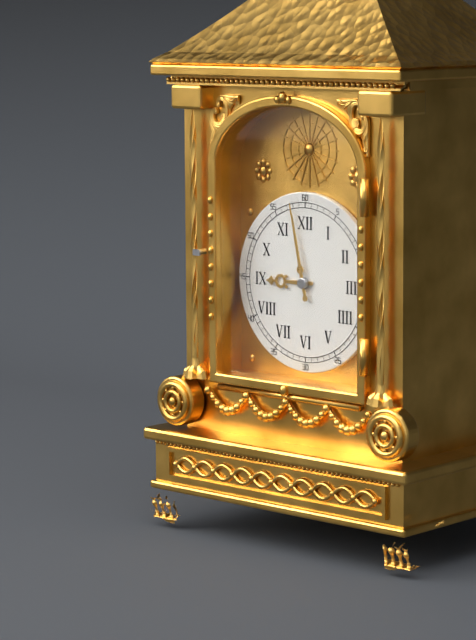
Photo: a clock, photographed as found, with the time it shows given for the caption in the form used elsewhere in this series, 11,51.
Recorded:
8,58
